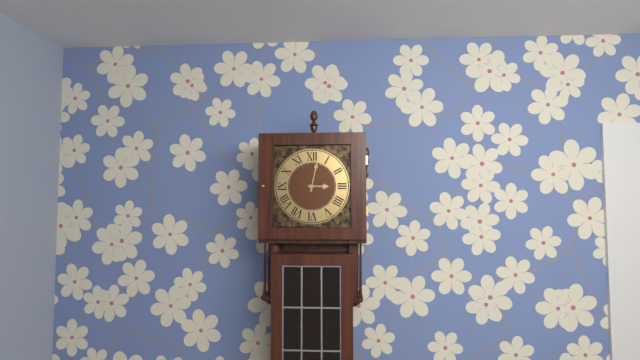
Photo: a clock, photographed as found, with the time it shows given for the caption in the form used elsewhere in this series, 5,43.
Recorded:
3,02
